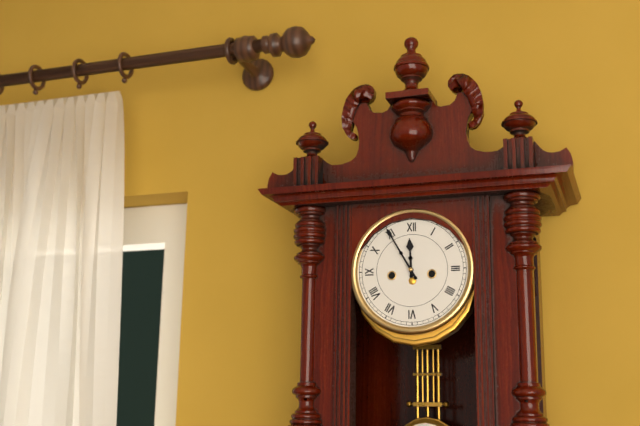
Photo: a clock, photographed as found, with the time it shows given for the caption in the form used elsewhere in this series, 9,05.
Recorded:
11,55
